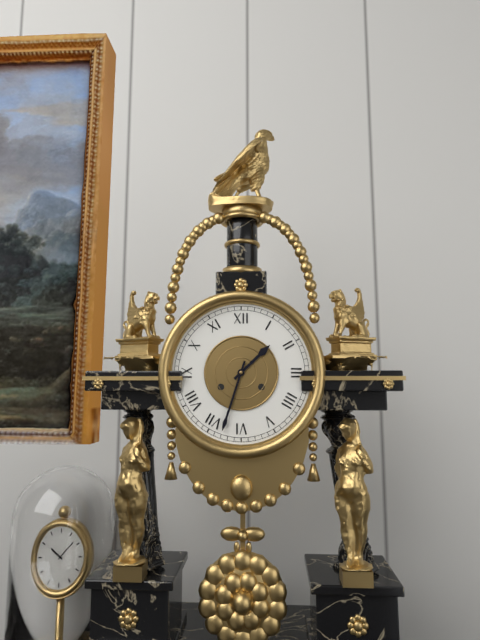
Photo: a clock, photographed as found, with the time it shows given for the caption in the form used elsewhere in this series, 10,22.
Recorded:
1,33
